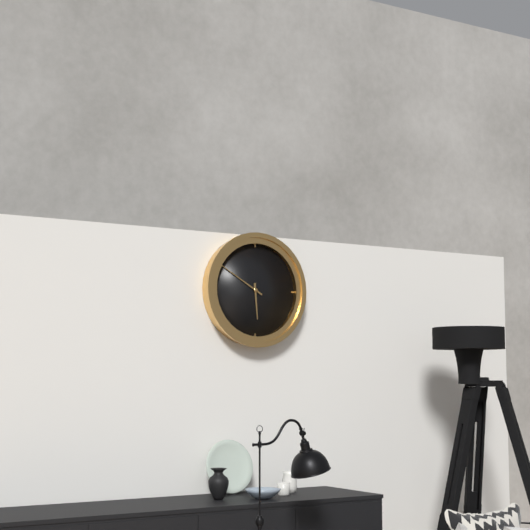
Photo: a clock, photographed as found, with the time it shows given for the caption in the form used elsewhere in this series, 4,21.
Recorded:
5,50
